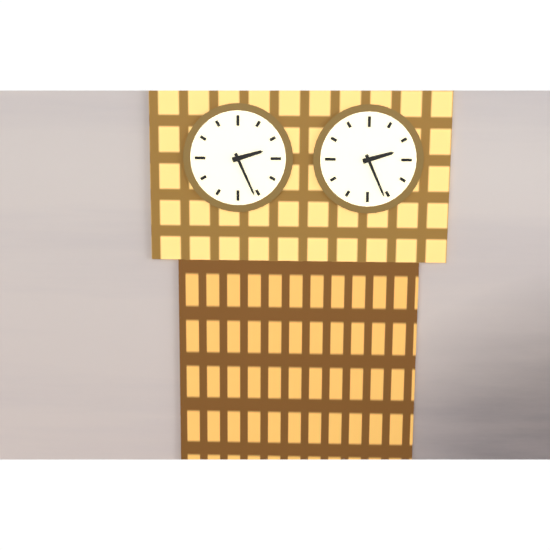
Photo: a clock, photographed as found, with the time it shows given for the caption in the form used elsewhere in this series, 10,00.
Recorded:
2,26
